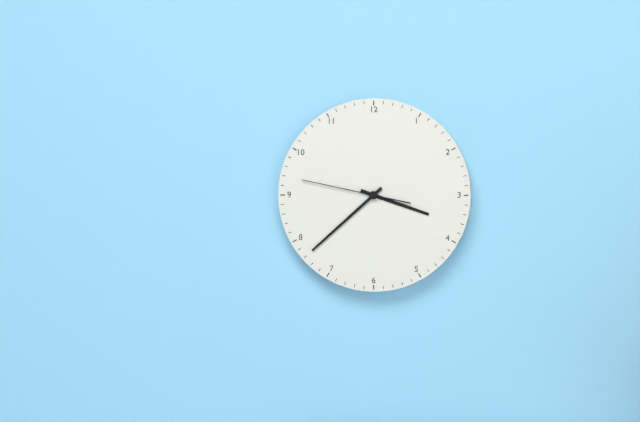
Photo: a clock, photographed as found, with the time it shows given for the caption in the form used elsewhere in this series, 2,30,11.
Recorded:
3,38,47
